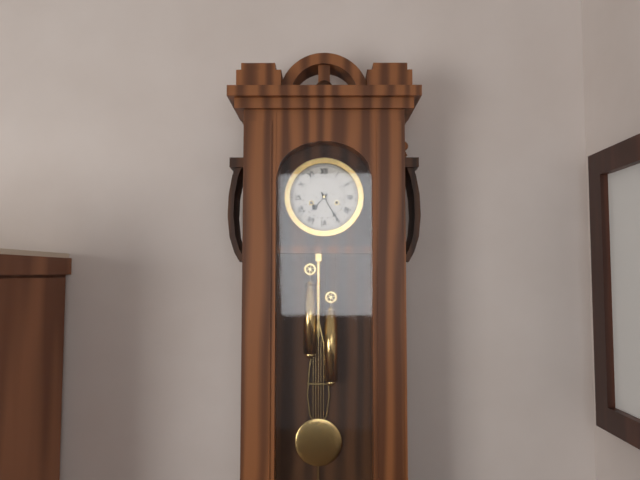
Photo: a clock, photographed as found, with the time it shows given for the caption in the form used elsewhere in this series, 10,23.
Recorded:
7,25
